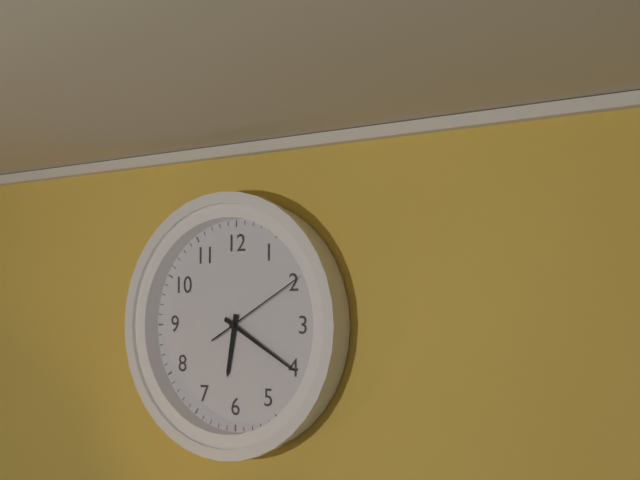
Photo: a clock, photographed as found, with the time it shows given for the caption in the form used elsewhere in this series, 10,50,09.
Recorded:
6,20,10
